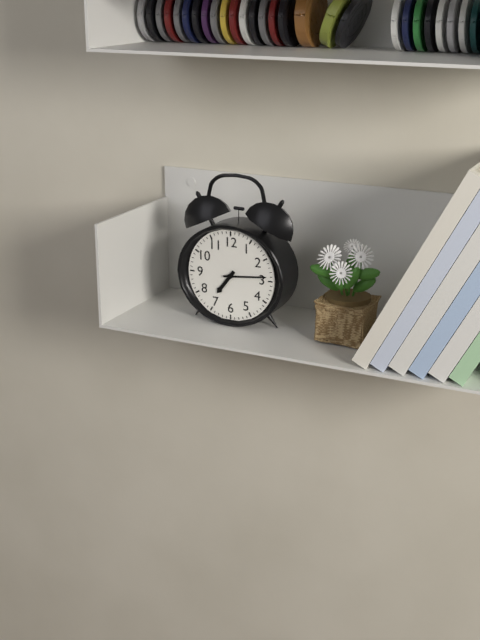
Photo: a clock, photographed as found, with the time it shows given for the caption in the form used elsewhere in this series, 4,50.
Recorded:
7,14
